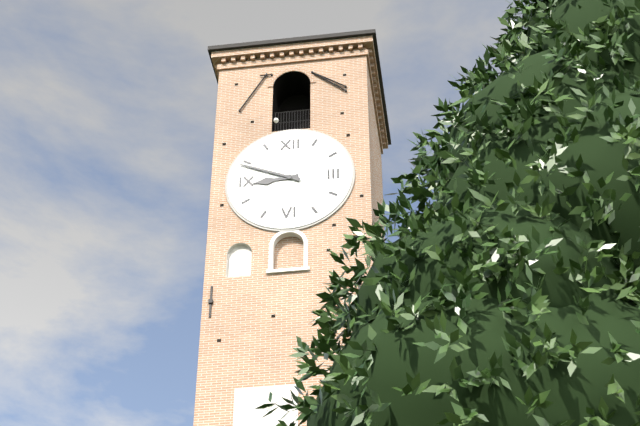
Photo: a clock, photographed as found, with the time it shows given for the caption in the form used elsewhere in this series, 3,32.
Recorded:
8,49
